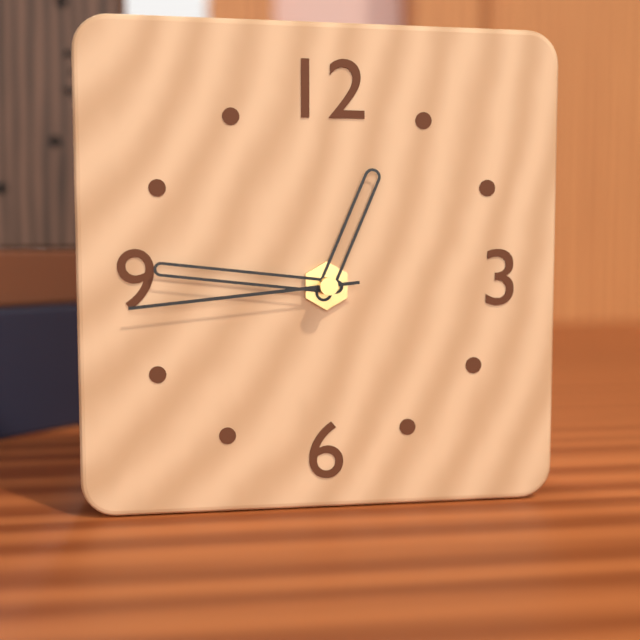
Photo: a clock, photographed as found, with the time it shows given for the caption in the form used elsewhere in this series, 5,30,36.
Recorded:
12,46,44
